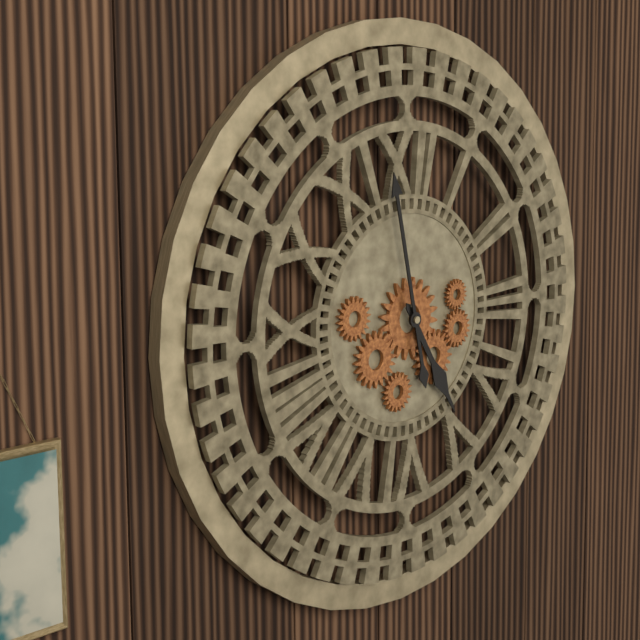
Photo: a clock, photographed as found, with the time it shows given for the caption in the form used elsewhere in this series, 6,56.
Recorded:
4,58
